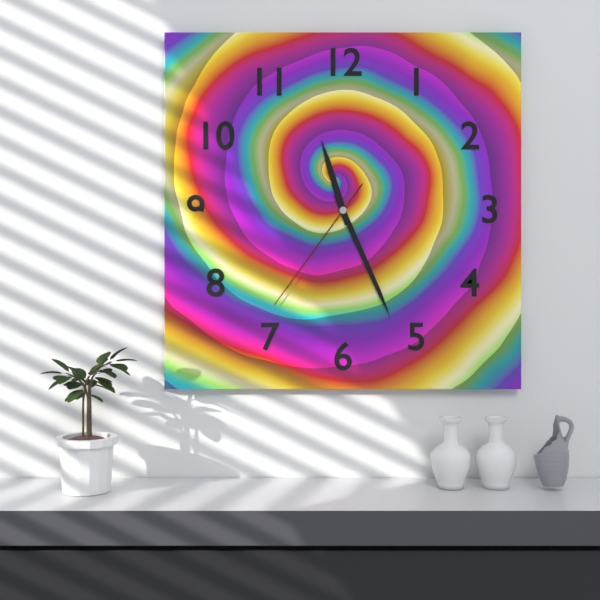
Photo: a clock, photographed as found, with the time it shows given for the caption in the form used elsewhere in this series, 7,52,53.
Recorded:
11,26,36
